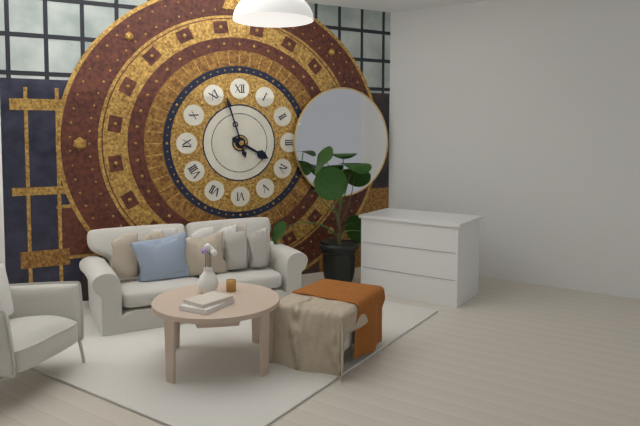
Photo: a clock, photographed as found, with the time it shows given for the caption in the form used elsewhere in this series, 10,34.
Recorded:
3,57
